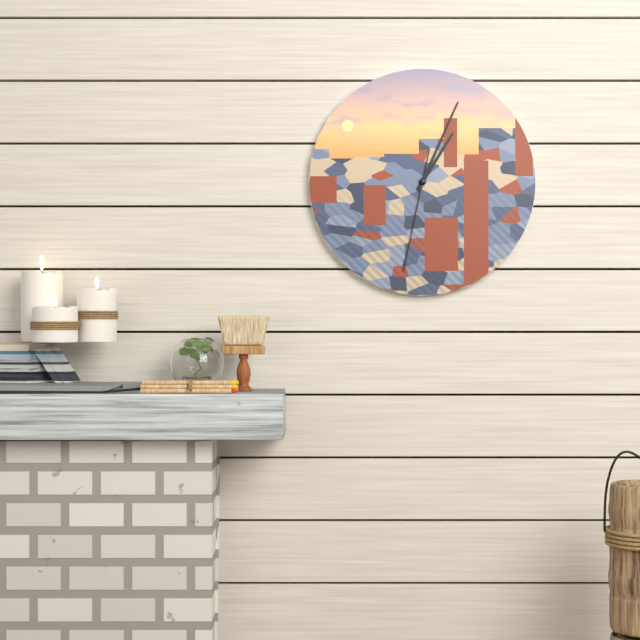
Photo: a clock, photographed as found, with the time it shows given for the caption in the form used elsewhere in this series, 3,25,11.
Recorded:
1,04,32
